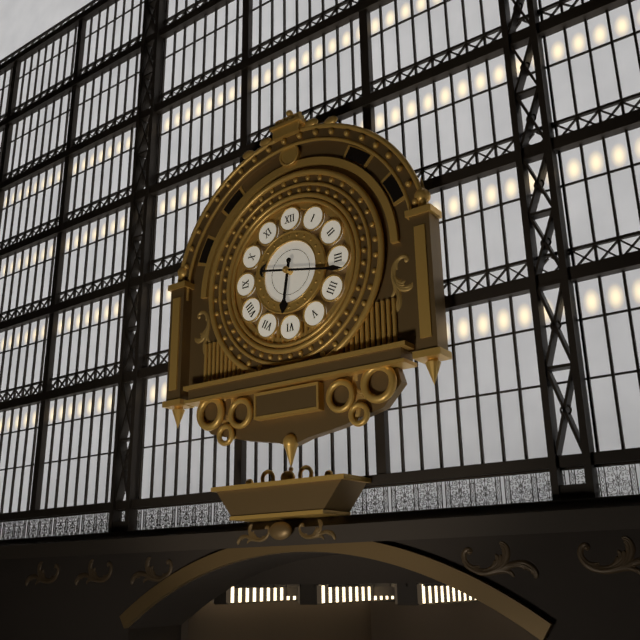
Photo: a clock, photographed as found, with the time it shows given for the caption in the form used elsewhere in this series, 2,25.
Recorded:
6,17
